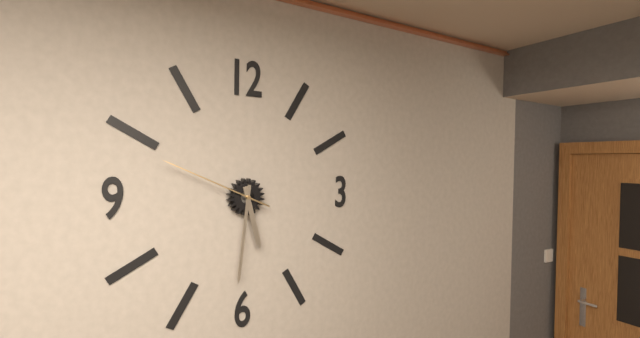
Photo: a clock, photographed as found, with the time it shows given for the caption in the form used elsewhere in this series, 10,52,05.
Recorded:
5,31,49
